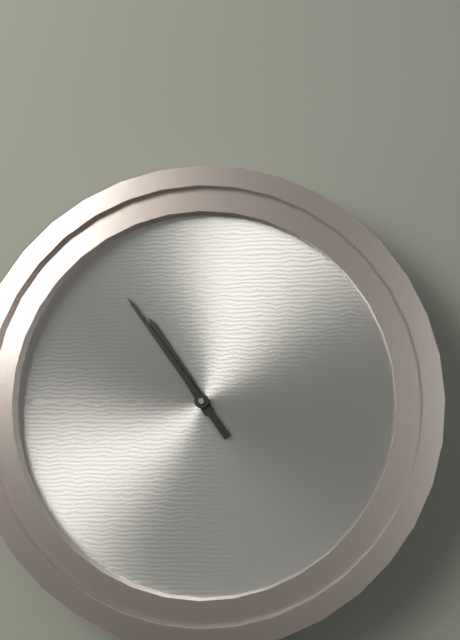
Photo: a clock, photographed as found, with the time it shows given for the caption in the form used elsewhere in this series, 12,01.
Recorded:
10,54
